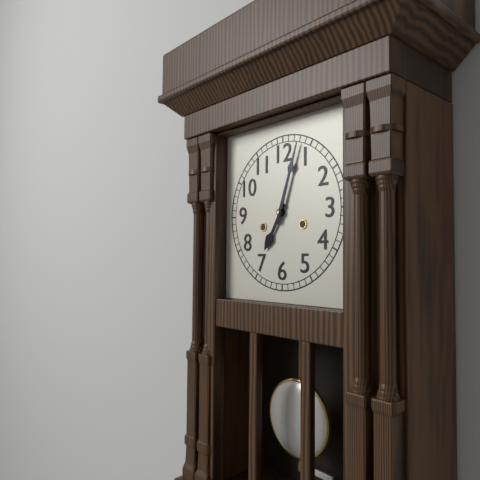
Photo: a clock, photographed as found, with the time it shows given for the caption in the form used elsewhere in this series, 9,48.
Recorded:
7,03
